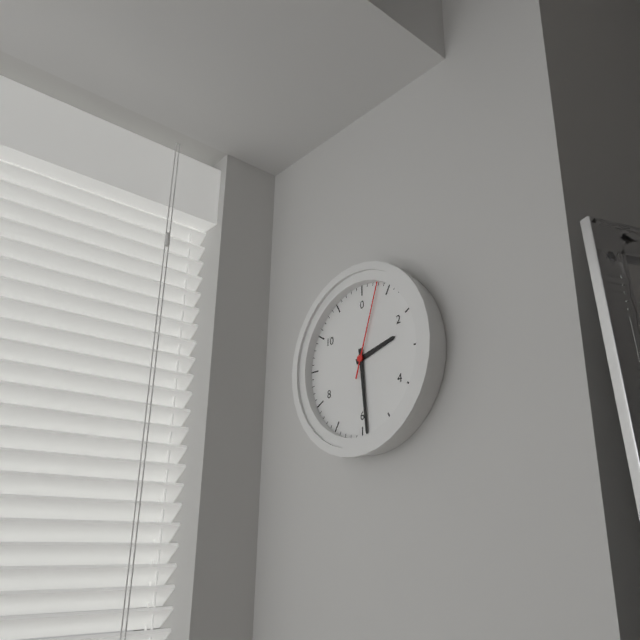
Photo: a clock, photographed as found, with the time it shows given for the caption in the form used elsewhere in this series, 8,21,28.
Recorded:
2,29,03
